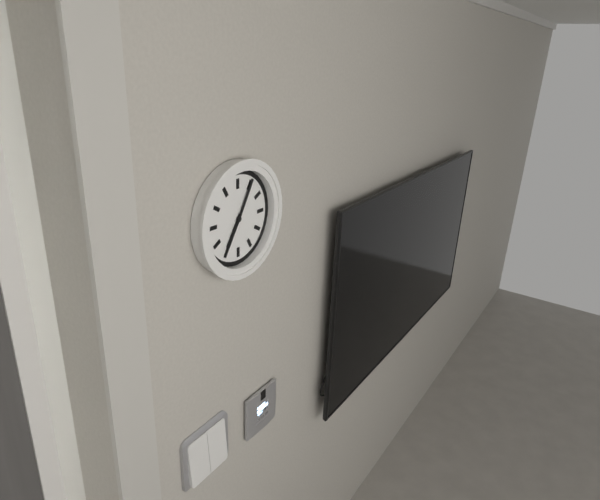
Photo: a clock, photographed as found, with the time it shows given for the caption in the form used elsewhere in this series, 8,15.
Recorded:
7,05
